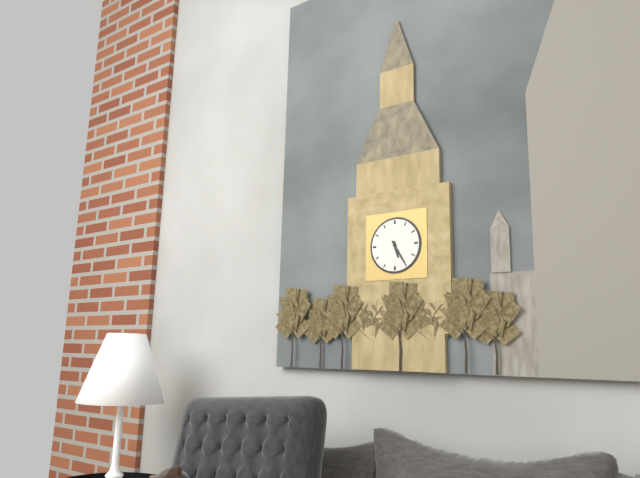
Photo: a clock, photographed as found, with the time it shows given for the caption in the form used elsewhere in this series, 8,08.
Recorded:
5,25
